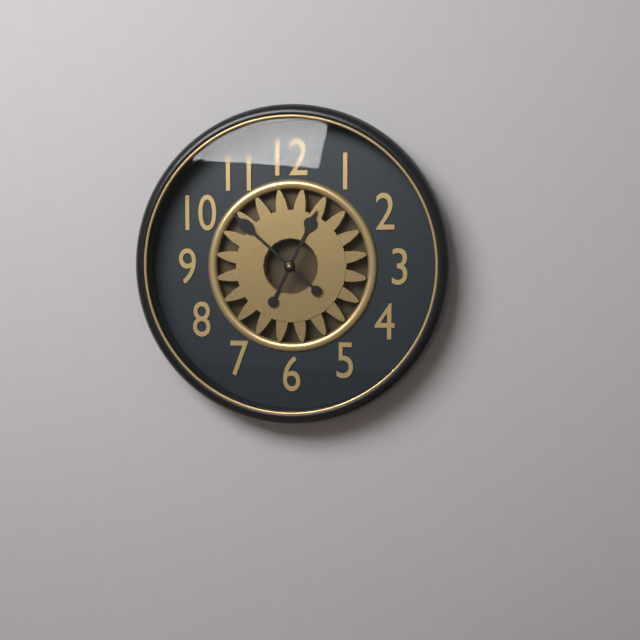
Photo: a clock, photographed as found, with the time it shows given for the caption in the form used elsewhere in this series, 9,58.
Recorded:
12,52
